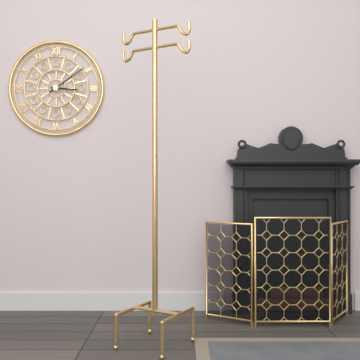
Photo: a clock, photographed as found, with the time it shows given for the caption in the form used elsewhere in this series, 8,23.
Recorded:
3,09
